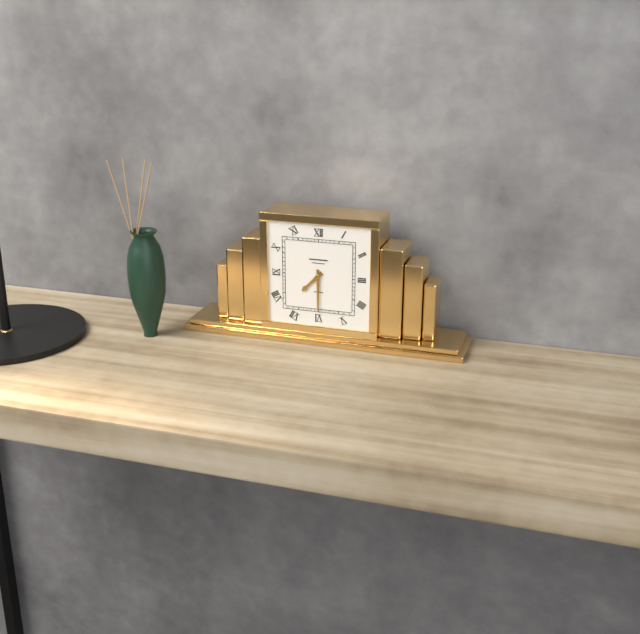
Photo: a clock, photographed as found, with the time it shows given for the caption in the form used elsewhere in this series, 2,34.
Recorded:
7,30
